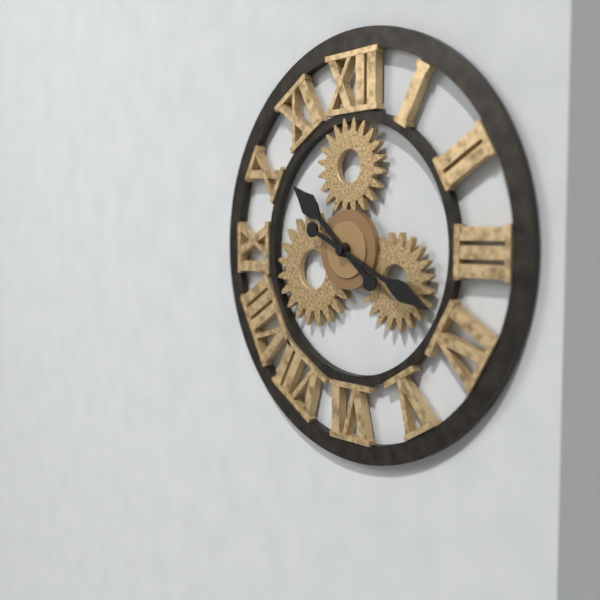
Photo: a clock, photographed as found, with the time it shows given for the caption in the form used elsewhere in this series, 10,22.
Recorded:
10,19
